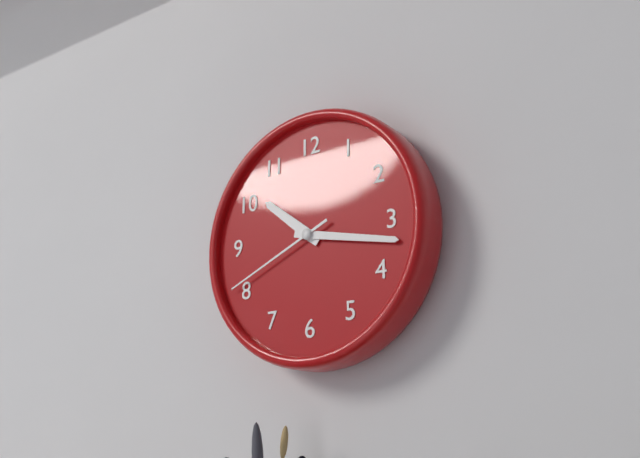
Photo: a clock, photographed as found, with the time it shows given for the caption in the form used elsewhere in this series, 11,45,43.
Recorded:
10,17,41
